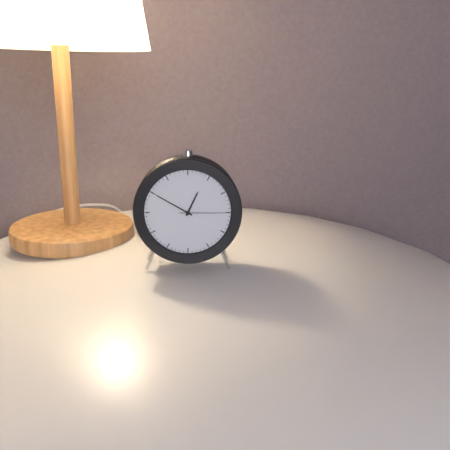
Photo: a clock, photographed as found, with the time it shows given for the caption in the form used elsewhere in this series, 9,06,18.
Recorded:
12,50,15
